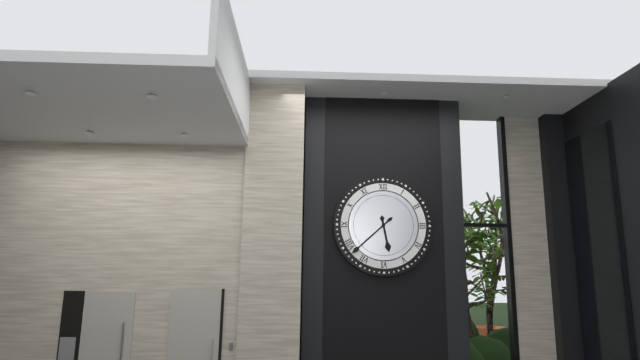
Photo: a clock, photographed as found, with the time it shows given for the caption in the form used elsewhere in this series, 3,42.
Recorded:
5,38
